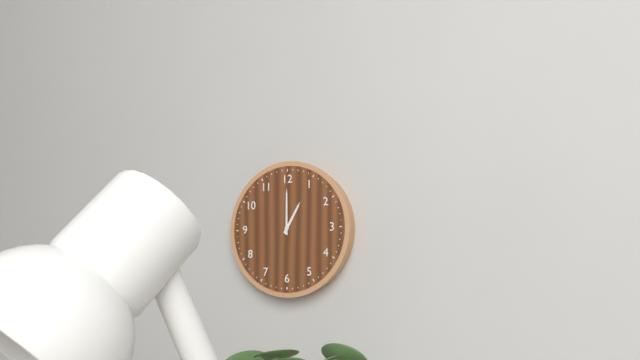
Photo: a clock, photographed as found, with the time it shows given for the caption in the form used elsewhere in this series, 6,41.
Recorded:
1,00
